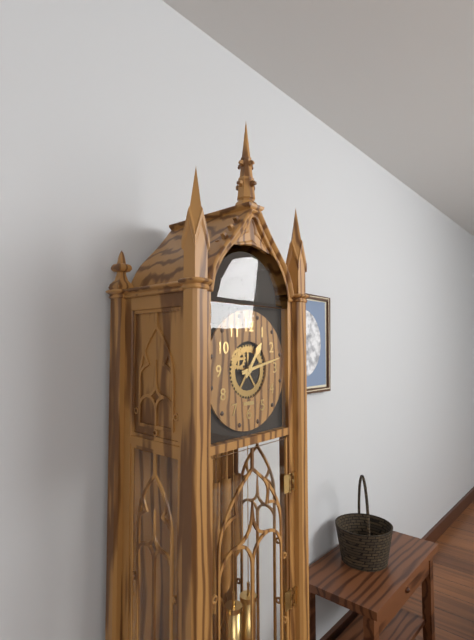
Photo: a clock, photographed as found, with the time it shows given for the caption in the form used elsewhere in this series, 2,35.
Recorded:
1,13
